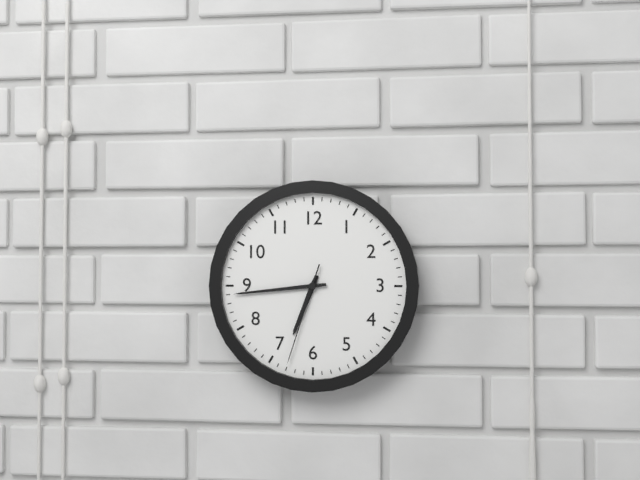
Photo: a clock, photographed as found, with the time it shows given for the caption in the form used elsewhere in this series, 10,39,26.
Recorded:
6,44,33
